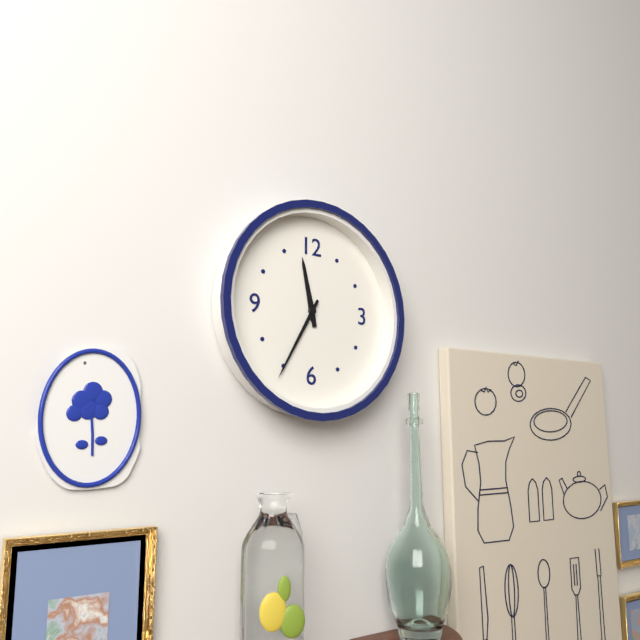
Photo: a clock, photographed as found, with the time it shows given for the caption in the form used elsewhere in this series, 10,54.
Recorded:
11,35
